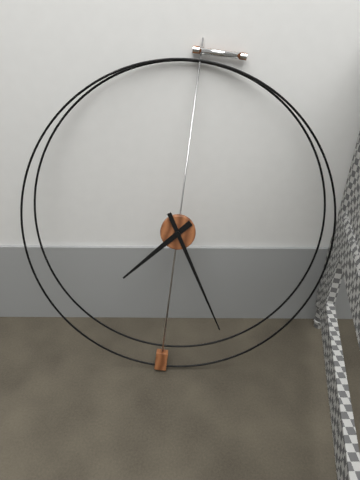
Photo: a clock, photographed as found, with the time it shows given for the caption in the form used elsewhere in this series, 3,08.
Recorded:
7,25
